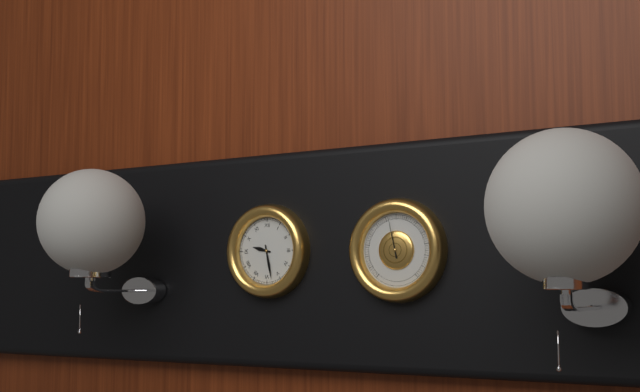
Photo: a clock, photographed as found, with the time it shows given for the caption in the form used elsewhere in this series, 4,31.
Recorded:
9,28
